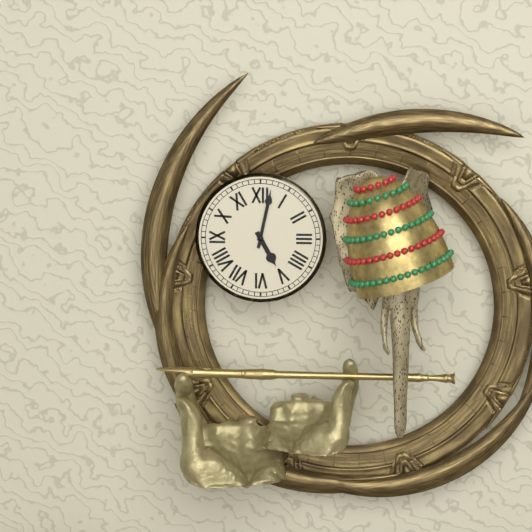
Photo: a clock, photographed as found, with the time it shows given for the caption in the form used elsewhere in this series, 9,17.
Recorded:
5,02
